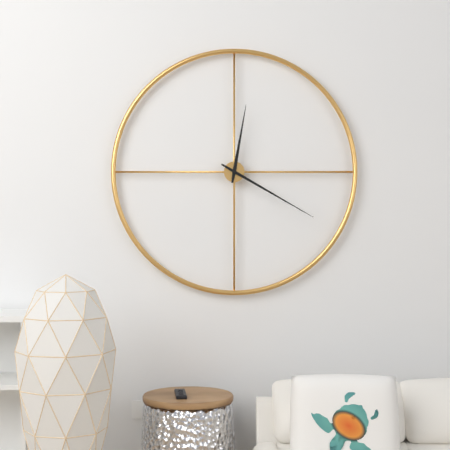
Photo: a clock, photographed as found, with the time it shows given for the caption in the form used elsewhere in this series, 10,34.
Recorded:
12,20
